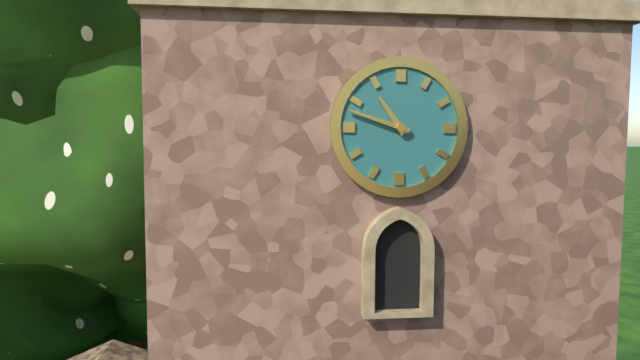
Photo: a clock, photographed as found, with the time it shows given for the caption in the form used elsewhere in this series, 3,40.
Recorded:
10,48
